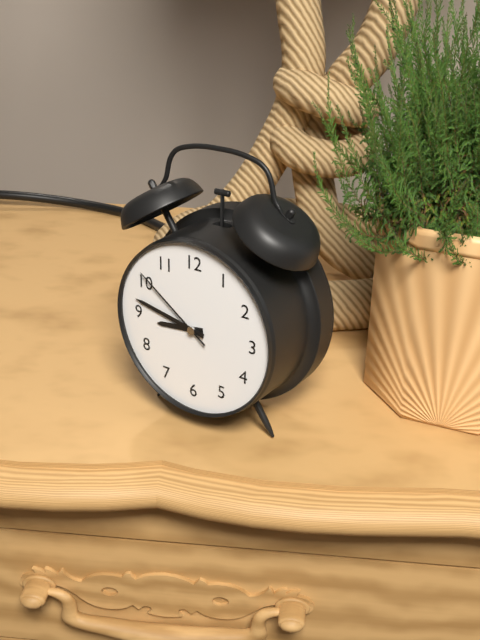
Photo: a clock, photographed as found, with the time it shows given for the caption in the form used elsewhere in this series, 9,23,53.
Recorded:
8,47,51
